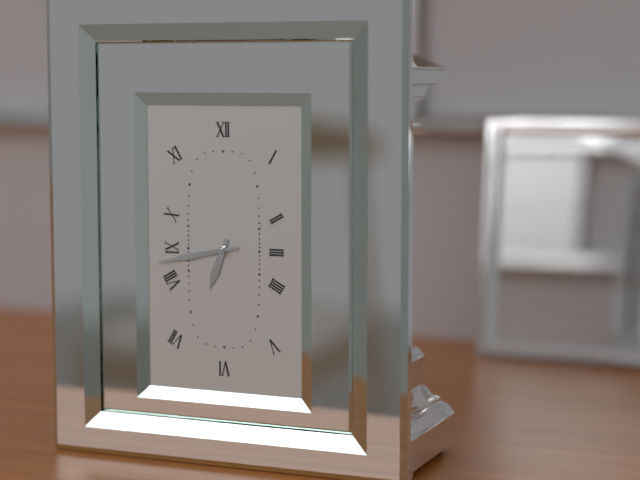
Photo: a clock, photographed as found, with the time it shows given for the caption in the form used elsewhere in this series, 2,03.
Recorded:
6,43
